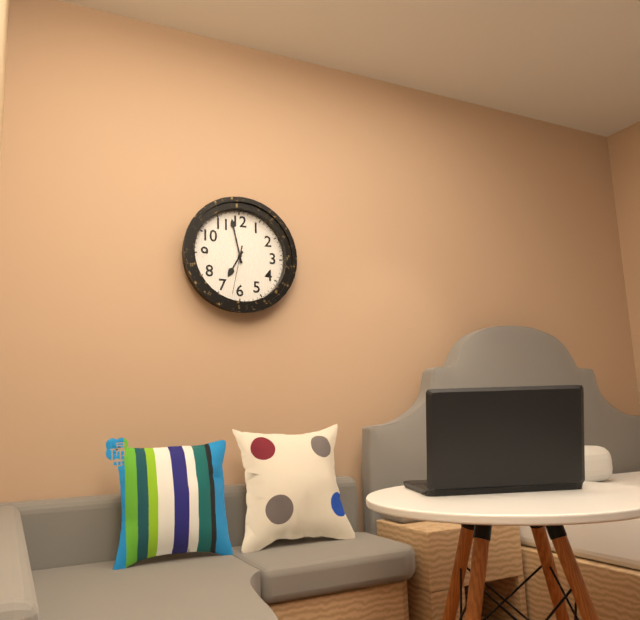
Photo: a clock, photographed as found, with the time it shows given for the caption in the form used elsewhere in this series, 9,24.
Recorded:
6,58
